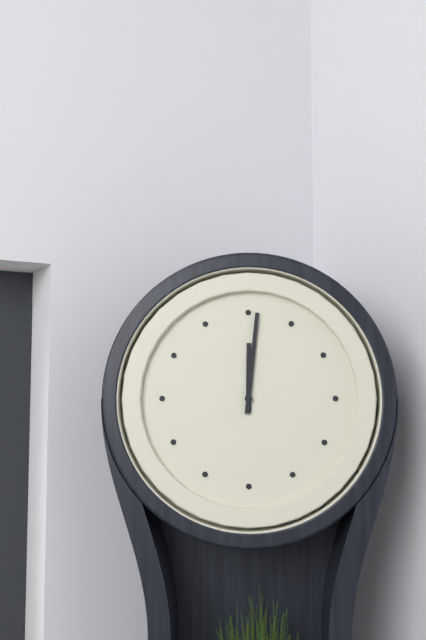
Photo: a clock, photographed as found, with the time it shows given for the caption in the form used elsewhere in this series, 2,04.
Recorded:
12,01
